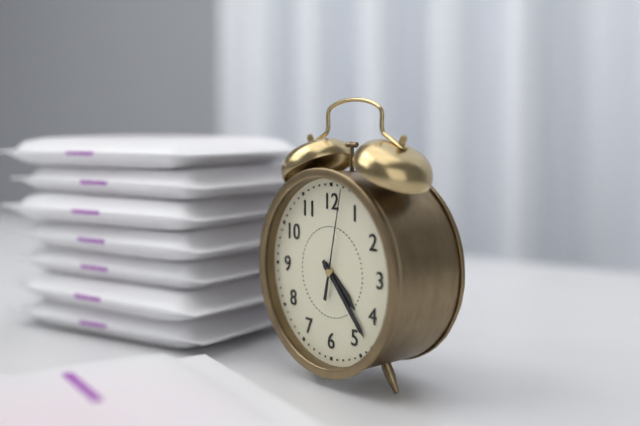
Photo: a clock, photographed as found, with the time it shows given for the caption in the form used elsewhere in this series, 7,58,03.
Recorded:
4,23,02
